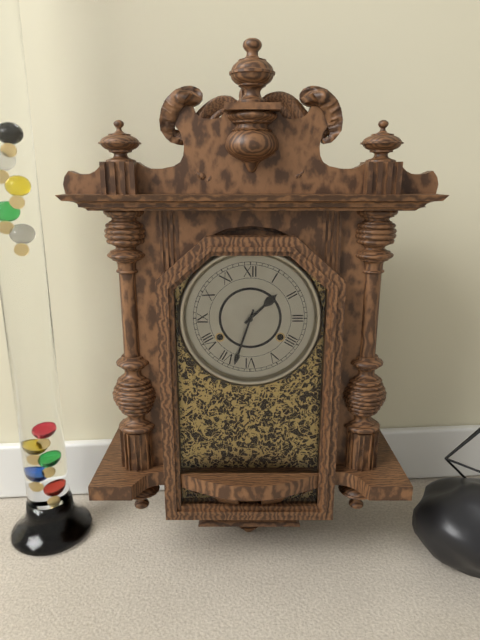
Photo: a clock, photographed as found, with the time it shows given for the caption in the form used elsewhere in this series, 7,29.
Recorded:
1,33
